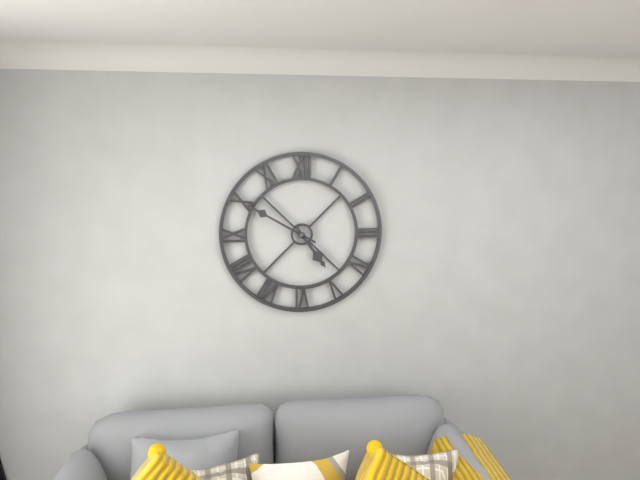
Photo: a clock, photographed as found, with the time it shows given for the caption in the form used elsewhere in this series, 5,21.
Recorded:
4,50
